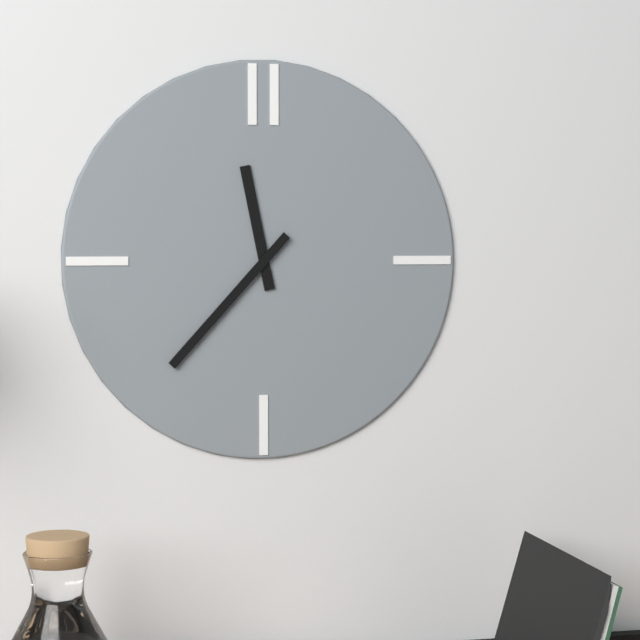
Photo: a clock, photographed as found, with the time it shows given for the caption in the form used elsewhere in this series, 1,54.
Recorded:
11,37
